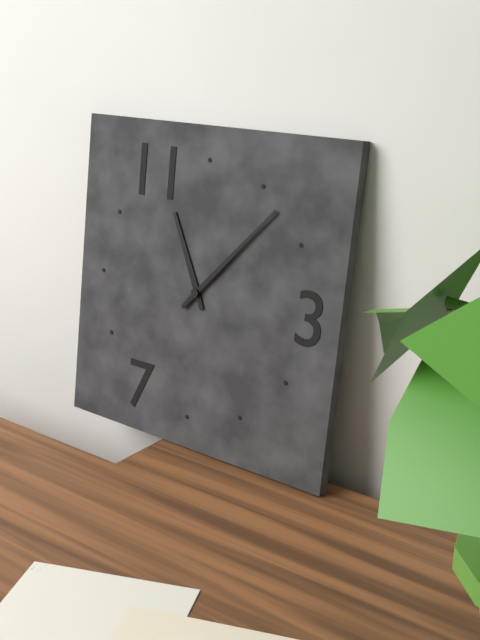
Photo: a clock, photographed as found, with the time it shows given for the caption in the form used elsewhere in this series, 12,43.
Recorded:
11,07
